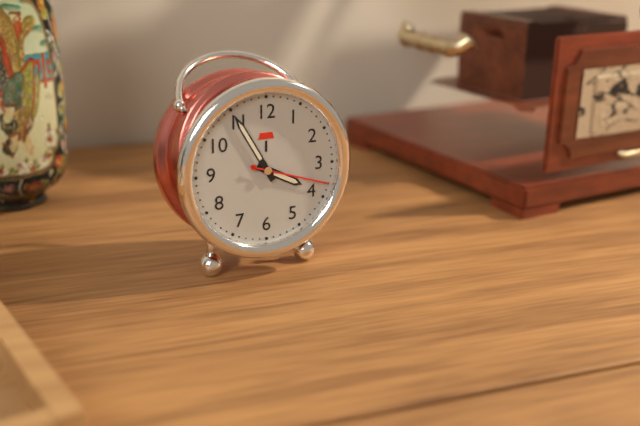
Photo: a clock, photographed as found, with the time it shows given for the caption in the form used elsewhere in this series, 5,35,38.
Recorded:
3,55,18
